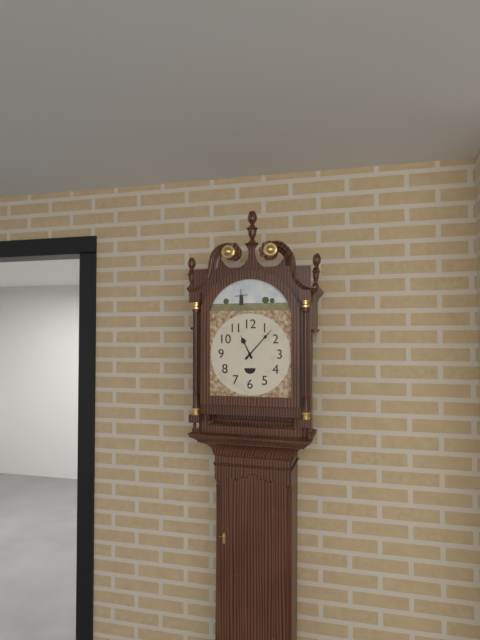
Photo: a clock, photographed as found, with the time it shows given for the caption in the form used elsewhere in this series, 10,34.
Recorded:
11,07
